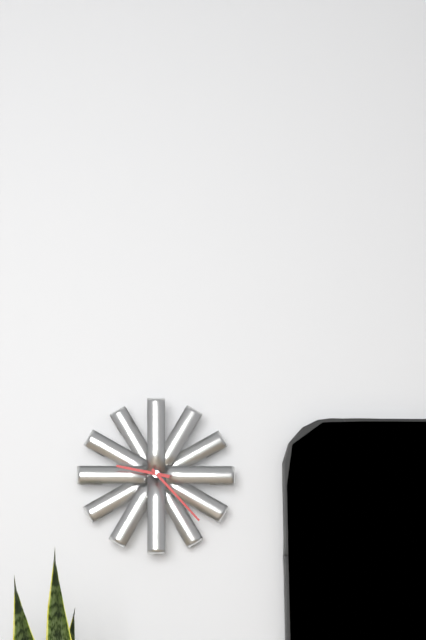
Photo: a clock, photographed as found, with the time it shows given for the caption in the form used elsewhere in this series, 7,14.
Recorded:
9,23
